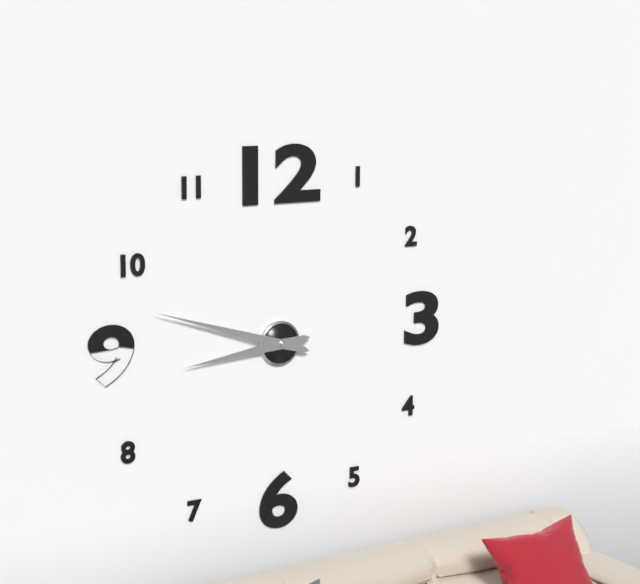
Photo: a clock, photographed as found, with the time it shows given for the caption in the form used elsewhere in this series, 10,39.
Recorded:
8,48
